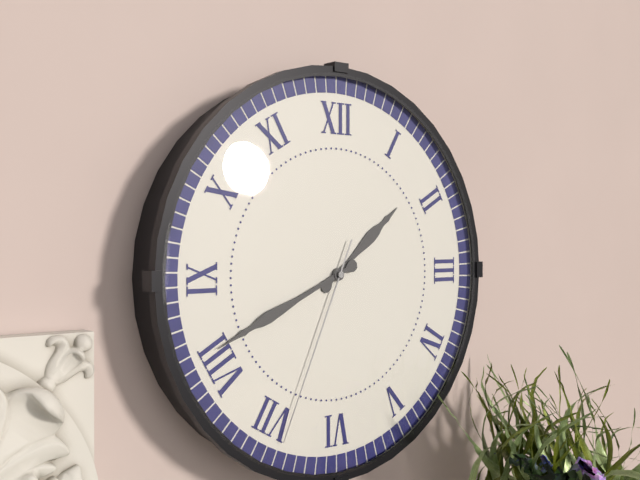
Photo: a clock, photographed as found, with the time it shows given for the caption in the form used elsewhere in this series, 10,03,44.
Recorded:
1,41,34
